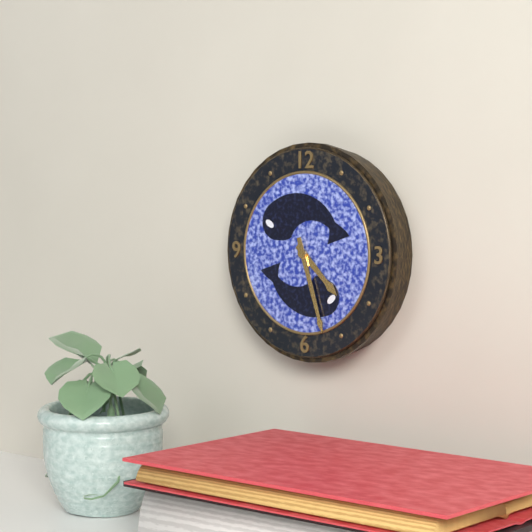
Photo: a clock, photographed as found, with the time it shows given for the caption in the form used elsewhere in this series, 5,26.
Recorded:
4,27
